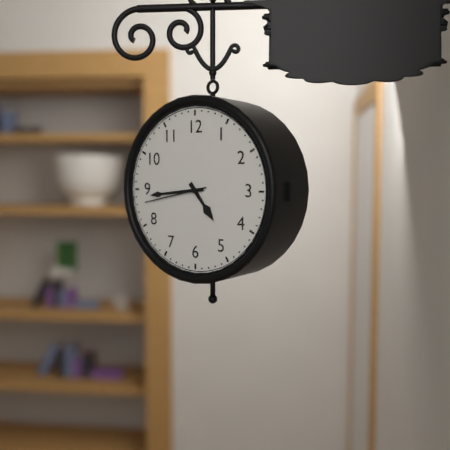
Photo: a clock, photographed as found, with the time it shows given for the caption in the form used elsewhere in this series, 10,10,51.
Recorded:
4,44,43
